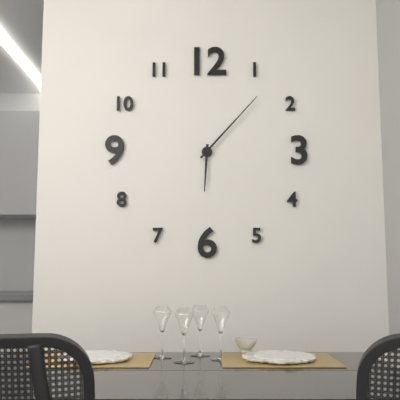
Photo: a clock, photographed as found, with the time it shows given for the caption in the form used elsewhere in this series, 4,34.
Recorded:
6,07
